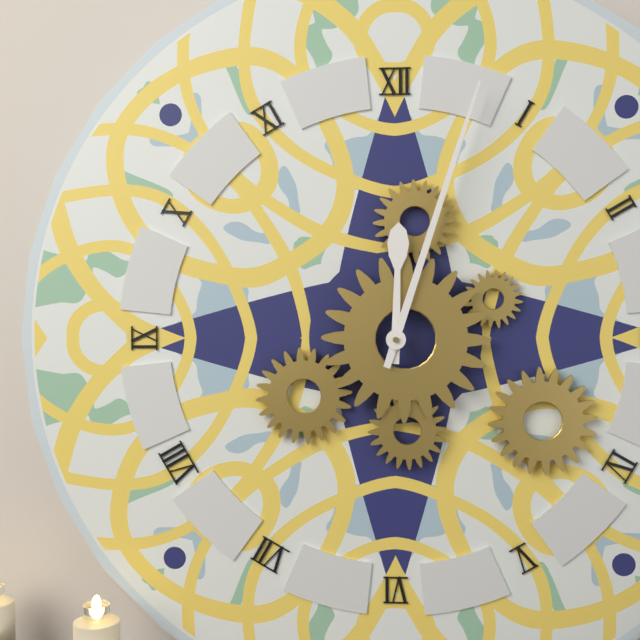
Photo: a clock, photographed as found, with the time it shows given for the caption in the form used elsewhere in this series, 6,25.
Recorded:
12,03
